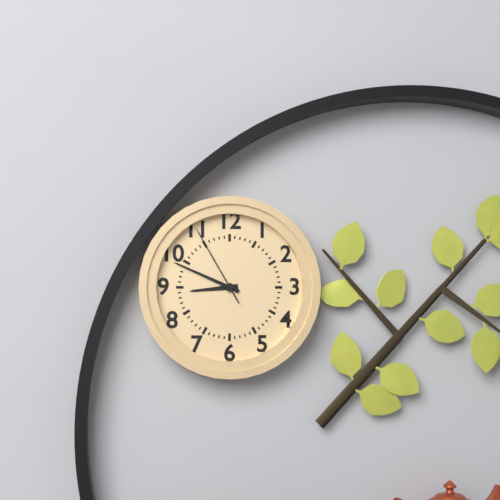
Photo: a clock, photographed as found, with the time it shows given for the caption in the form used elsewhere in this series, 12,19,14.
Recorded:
8,49,55
